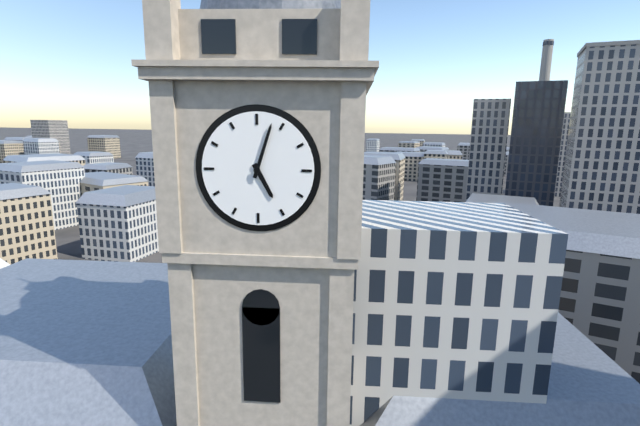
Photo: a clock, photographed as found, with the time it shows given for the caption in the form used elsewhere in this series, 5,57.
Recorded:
5,03
